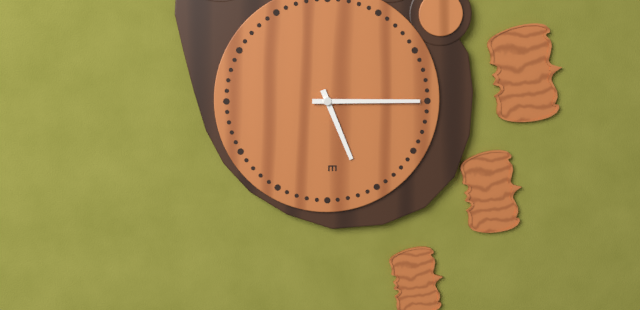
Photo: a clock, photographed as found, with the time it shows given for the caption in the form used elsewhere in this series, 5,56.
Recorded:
5,15
